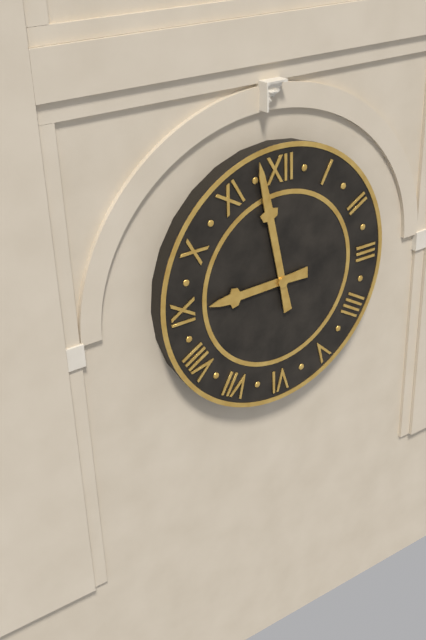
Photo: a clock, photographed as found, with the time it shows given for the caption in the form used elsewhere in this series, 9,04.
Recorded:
8,58
